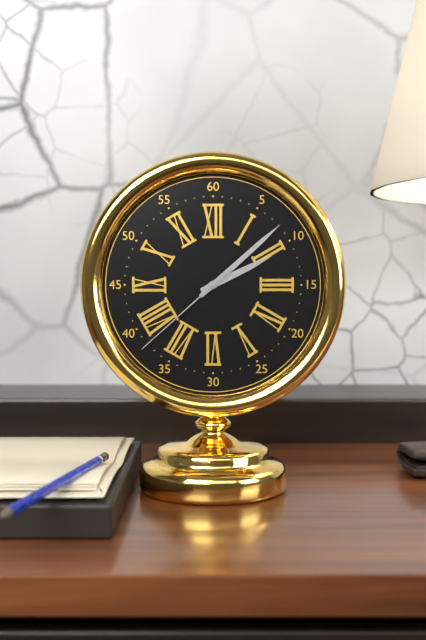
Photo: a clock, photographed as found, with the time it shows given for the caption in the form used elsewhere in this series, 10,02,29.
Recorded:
2,08,38
